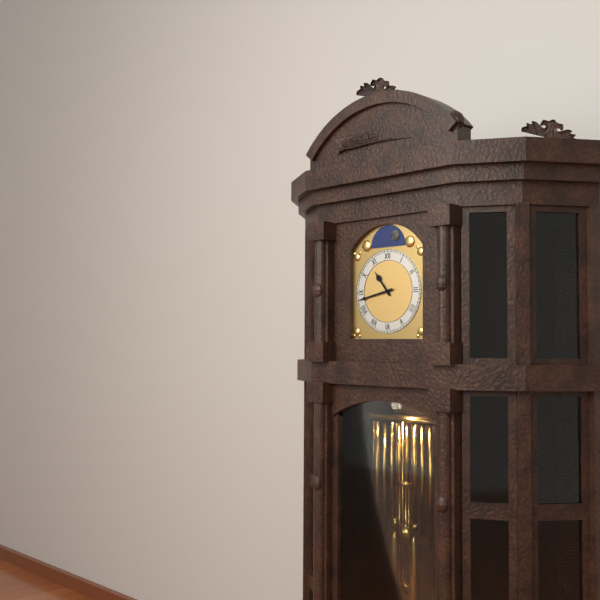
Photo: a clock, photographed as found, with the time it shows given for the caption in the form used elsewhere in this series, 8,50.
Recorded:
10,43
